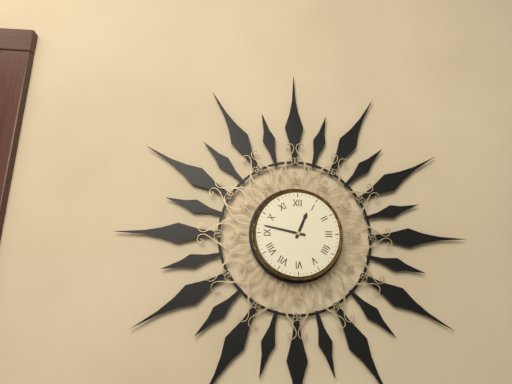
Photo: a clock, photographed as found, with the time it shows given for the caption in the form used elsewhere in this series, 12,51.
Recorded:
12,47
